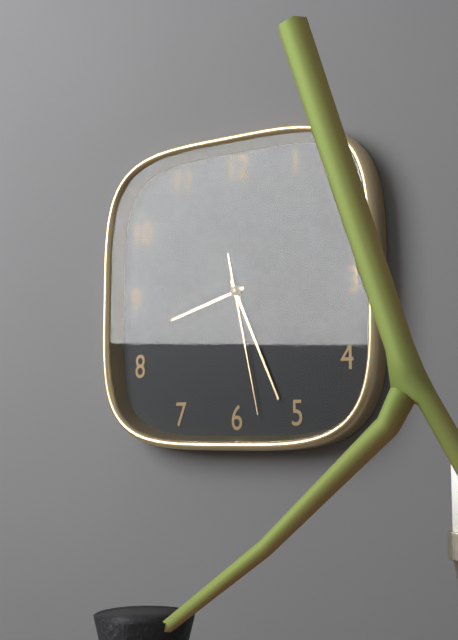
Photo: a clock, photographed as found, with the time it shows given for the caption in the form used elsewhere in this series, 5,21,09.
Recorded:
8,26,28
